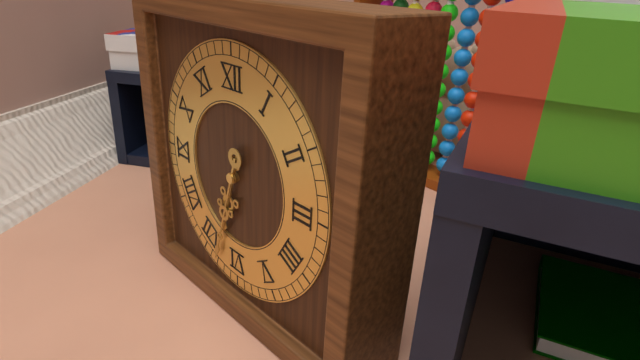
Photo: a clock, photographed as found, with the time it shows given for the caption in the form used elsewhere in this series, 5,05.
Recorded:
6,33
